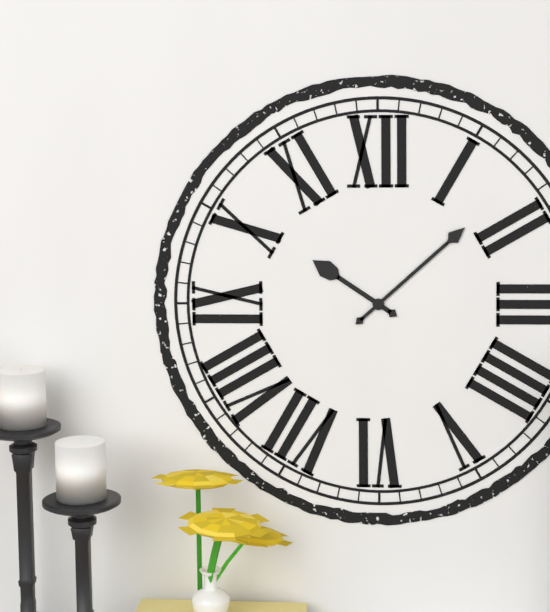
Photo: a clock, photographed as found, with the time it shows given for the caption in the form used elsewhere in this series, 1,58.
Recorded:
10,08
